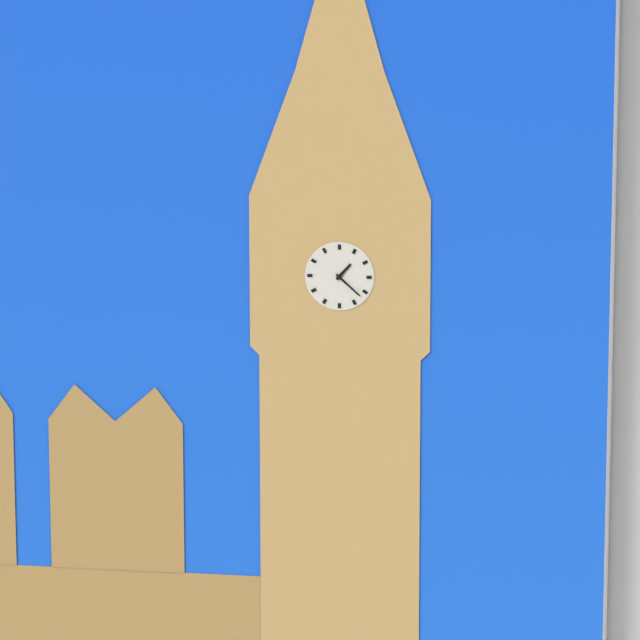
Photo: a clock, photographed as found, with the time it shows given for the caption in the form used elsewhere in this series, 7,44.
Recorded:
1,22
